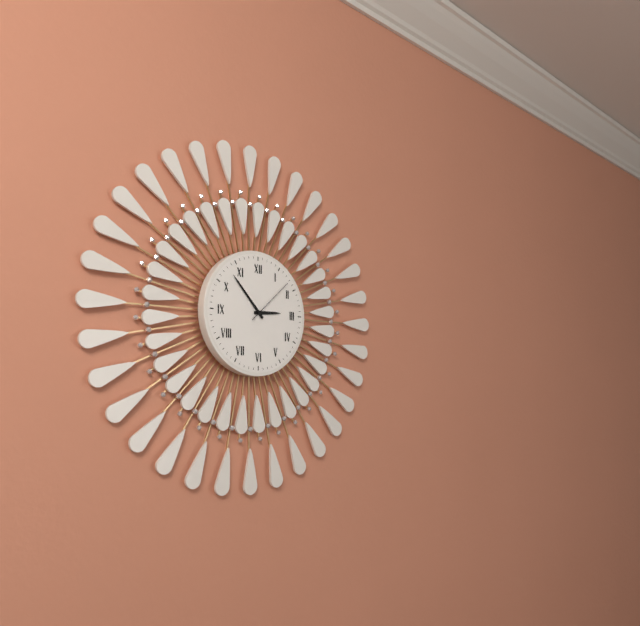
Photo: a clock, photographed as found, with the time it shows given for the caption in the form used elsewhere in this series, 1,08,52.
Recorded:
2,53,08
